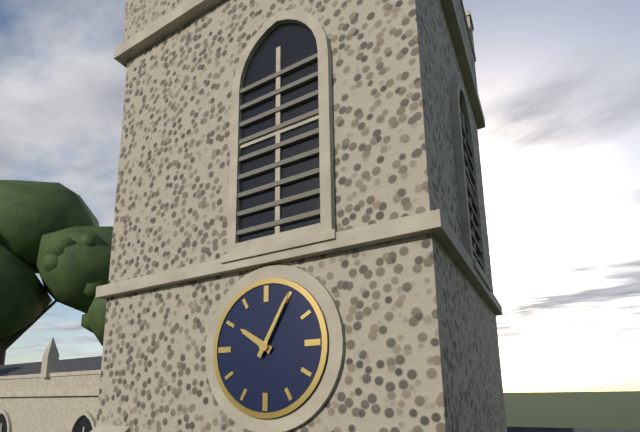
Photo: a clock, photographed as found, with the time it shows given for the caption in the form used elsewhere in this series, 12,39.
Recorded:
10,05
